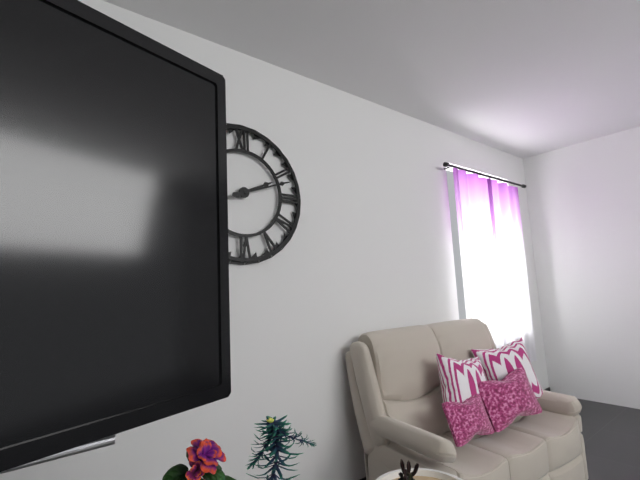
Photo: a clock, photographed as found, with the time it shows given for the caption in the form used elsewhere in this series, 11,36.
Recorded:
2,12
